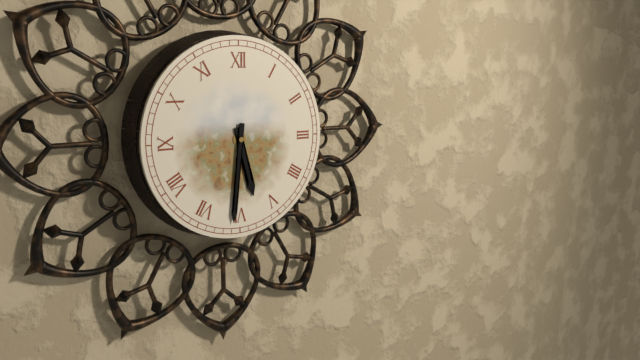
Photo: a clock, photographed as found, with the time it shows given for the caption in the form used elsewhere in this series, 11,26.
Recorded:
5,31
